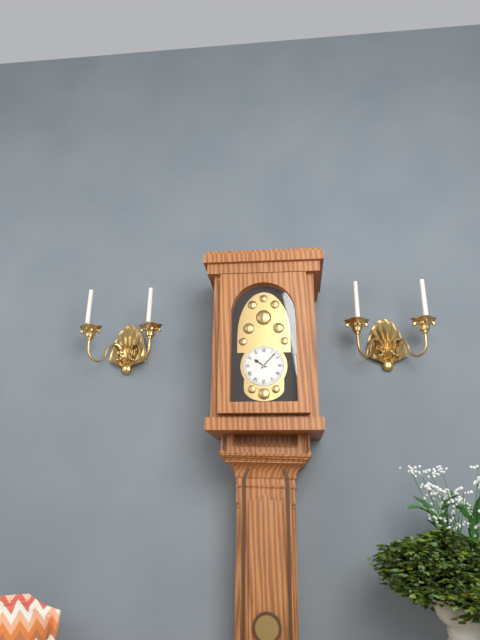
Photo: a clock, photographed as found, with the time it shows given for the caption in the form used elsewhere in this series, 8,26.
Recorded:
10,07
